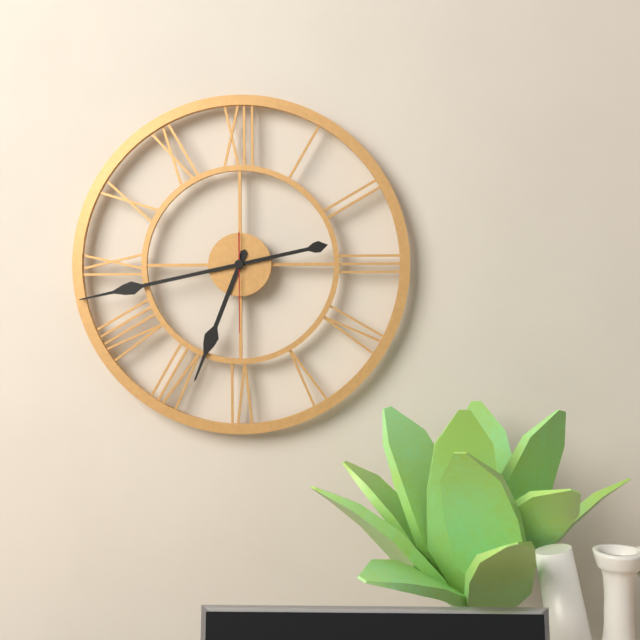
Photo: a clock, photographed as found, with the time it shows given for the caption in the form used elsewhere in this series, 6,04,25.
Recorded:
6,43,30
